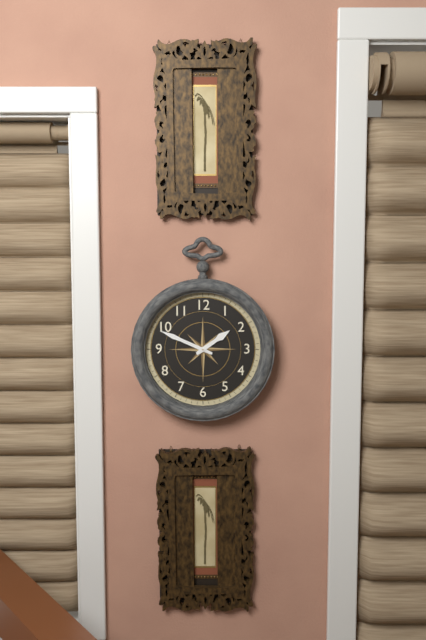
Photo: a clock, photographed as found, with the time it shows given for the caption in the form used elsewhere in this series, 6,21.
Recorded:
1,49
